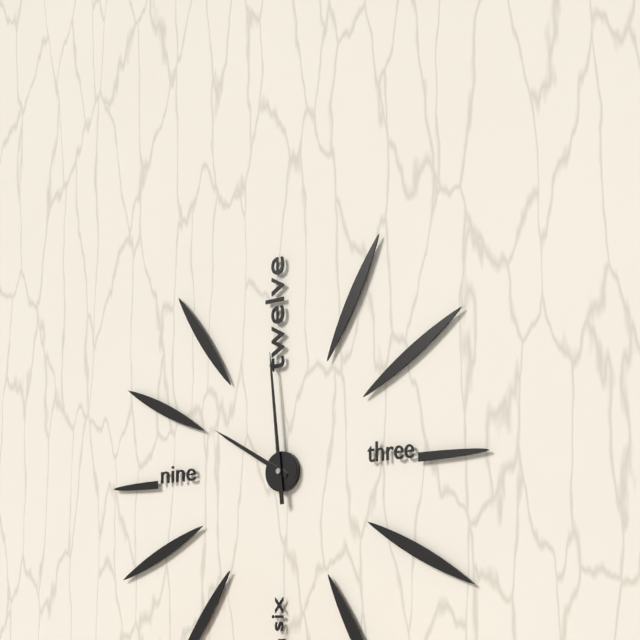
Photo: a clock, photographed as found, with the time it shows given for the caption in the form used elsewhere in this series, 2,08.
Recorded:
9,59
